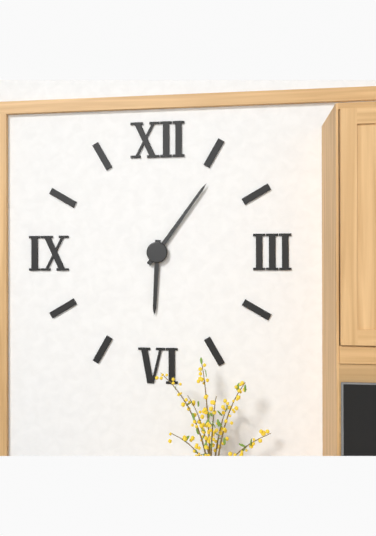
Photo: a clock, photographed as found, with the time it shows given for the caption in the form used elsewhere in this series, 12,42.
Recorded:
6,06
